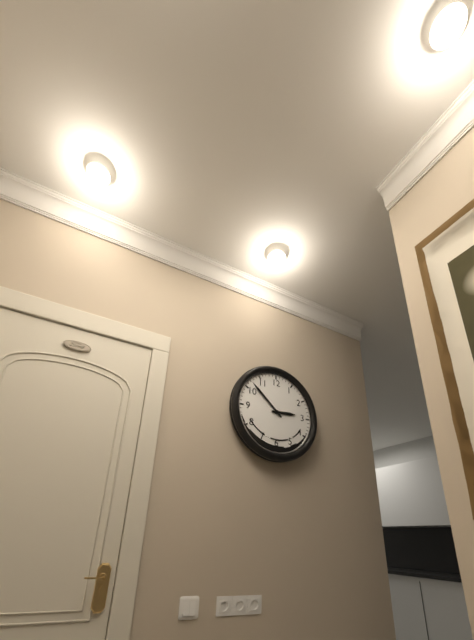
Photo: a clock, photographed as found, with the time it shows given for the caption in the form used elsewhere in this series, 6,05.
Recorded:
2,52
